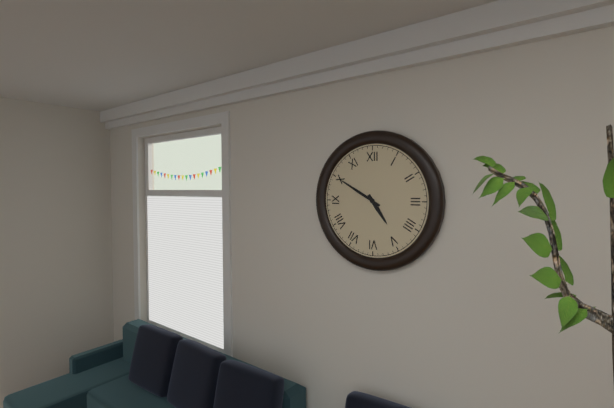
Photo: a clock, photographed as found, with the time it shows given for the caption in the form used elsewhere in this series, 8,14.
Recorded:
4,50
